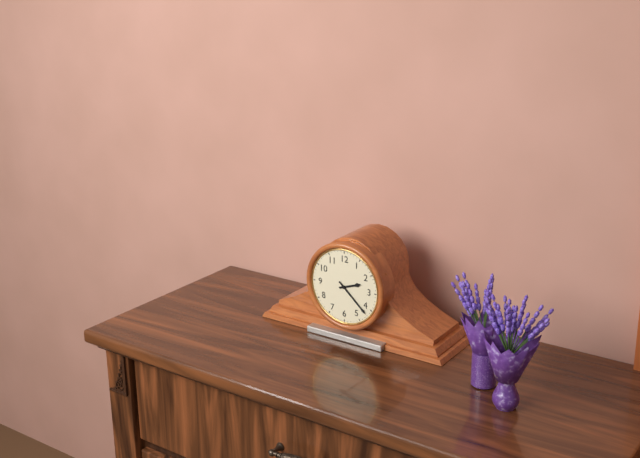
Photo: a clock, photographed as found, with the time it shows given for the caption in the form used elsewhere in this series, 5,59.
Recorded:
2,22
